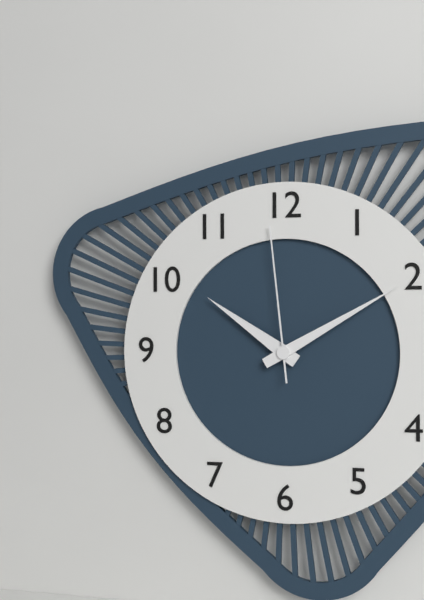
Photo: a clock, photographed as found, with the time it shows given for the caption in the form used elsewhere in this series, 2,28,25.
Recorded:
10,10,59
